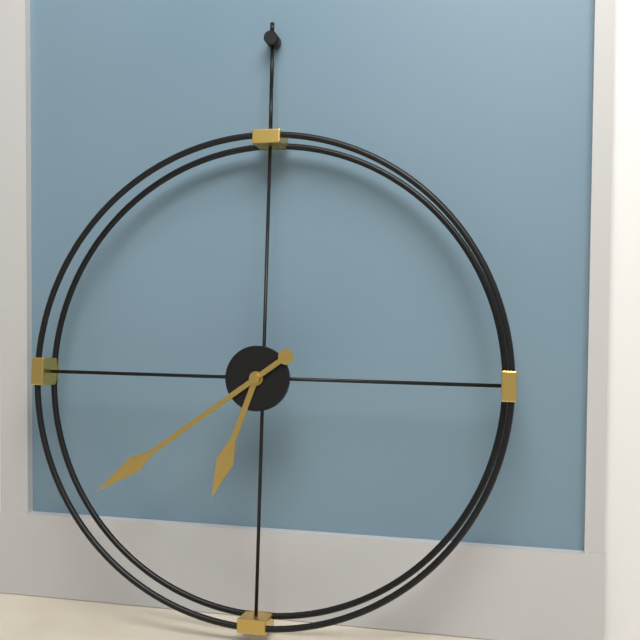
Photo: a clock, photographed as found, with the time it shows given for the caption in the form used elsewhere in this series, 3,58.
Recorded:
6,39
